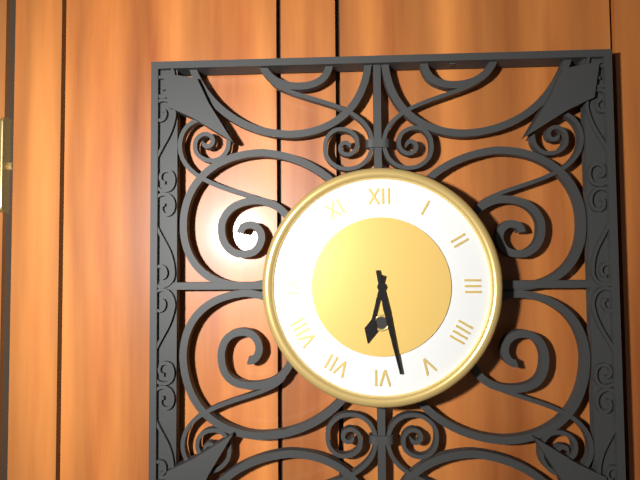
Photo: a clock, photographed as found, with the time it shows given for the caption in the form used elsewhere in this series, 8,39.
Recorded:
6,28
